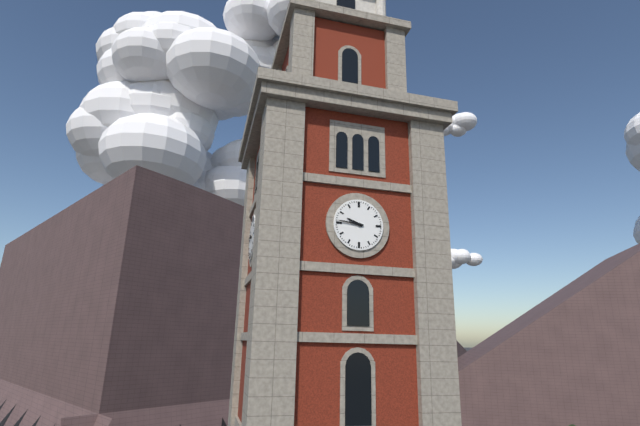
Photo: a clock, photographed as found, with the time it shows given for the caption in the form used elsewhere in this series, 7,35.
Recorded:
9,46
